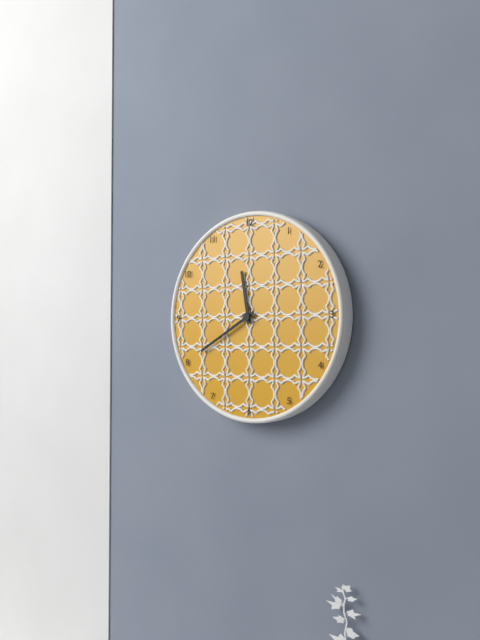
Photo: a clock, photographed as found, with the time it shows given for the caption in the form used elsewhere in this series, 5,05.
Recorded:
11,40
